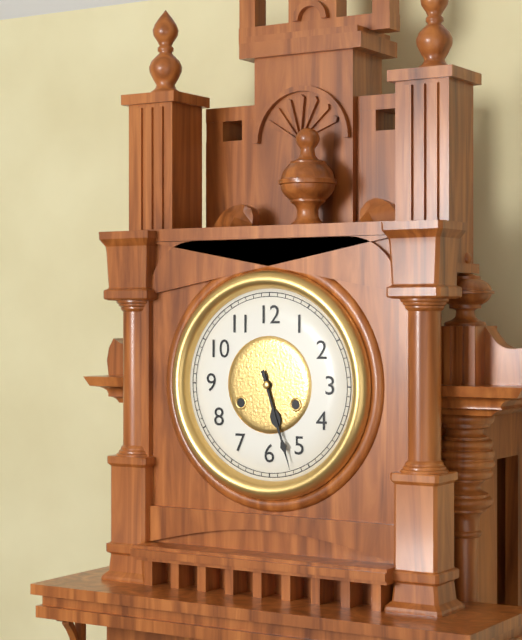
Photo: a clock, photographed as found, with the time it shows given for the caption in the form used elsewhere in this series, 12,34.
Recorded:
5,27
